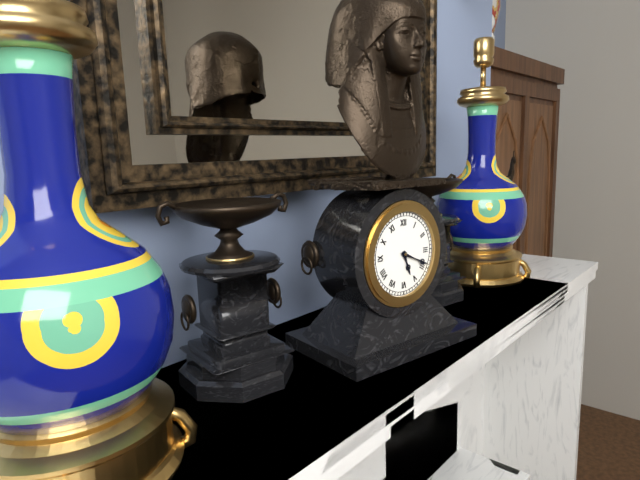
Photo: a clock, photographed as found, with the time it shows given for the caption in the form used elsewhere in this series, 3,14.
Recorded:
5,19
